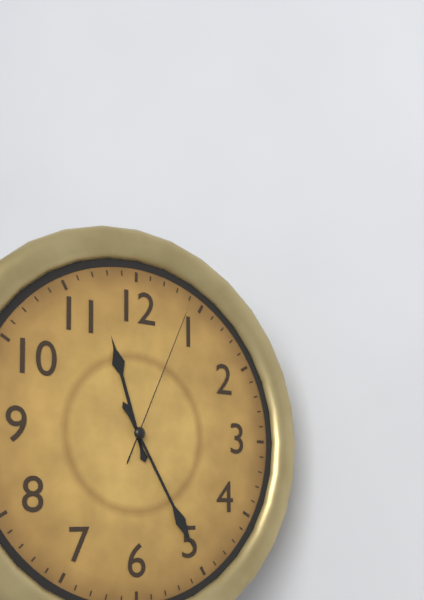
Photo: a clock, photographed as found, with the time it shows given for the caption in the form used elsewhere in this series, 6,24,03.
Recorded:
11,25,04
